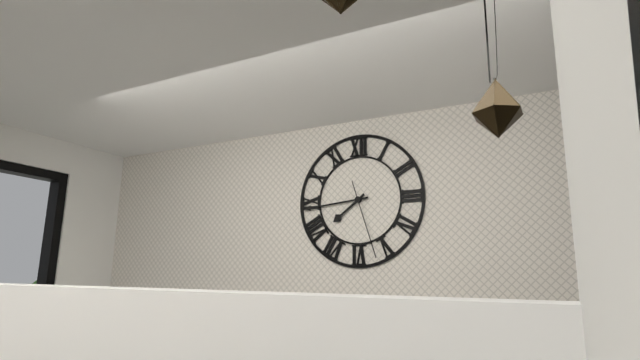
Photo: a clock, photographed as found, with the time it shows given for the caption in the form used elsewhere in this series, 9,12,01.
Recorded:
7,44,27
